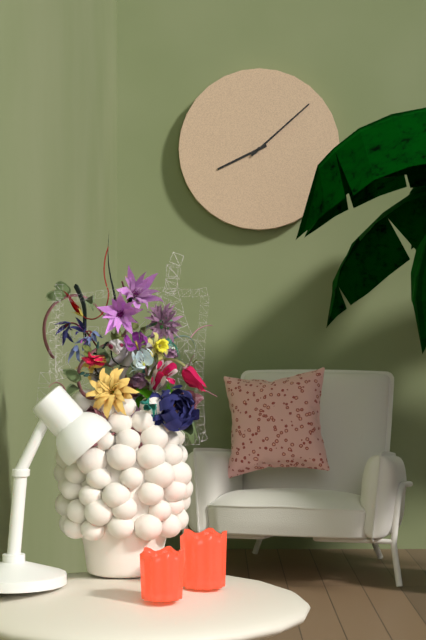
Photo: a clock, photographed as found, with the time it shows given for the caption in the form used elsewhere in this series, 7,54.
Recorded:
8,08
